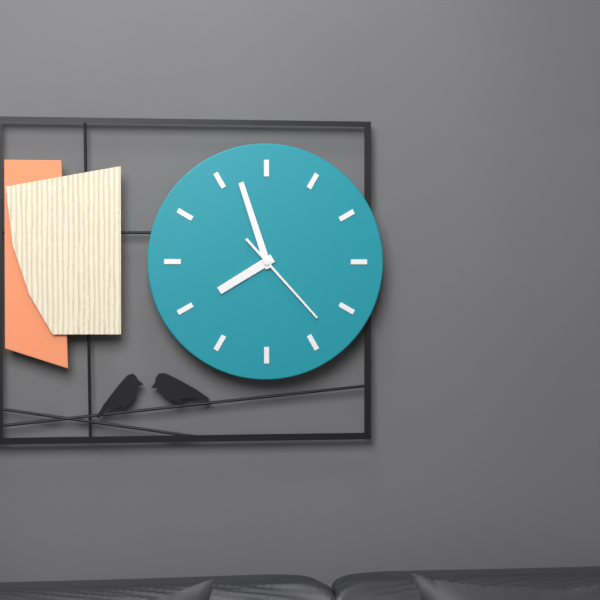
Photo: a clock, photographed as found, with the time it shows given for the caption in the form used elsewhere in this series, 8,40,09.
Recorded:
7,57,23
